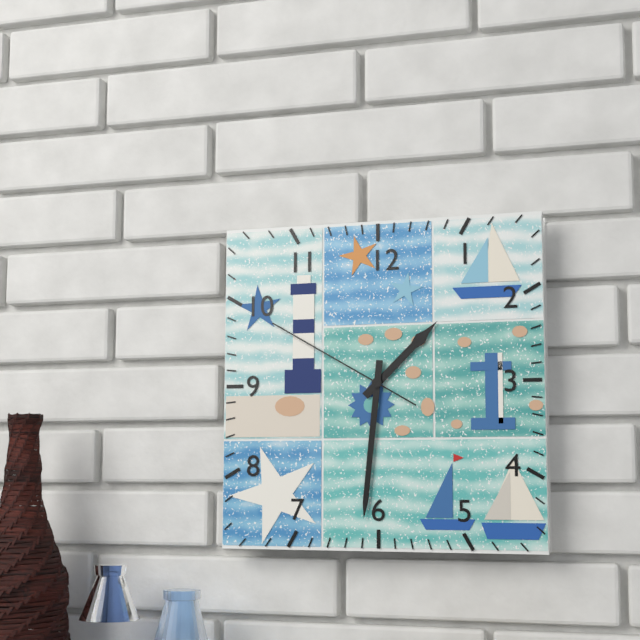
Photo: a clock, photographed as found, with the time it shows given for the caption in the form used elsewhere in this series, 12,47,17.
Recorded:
1,31,50
